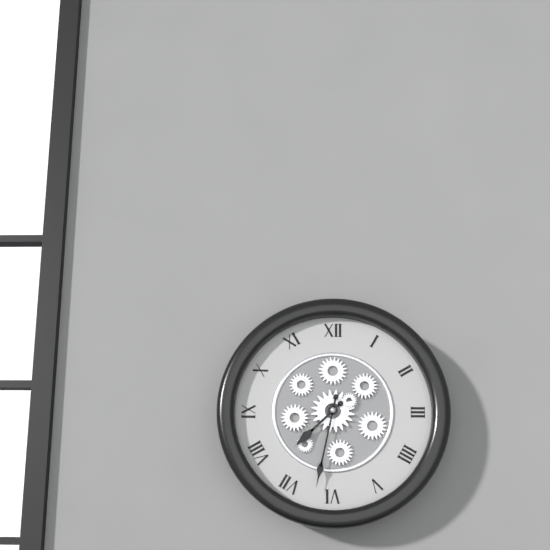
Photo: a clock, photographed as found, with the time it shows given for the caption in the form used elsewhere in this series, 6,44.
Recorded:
7,32
